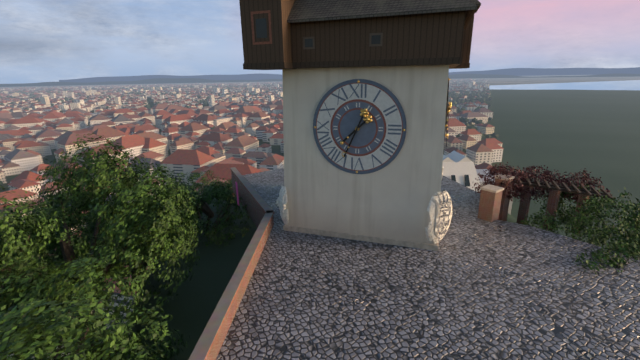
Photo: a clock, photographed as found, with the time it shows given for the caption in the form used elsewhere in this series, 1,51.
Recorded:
7,34
